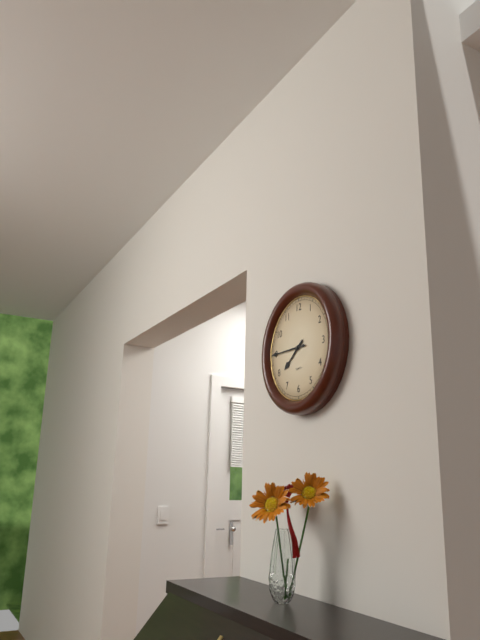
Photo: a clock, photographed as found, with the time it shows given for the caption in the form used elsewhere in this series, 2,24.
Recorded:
7,45
